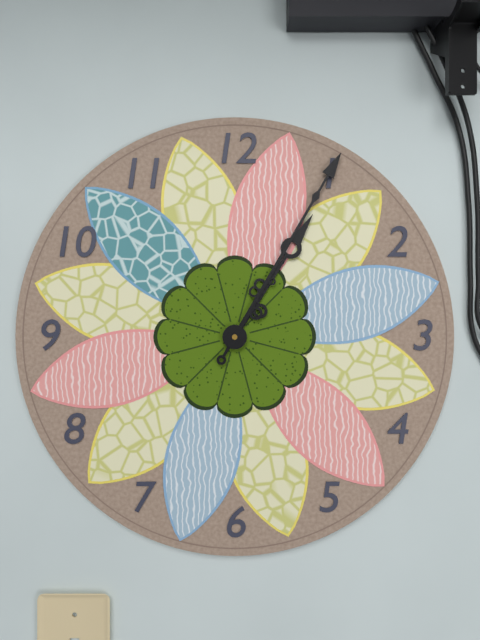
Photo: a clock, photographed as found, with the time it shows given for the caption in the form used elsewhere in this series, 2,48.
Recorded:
1,05
